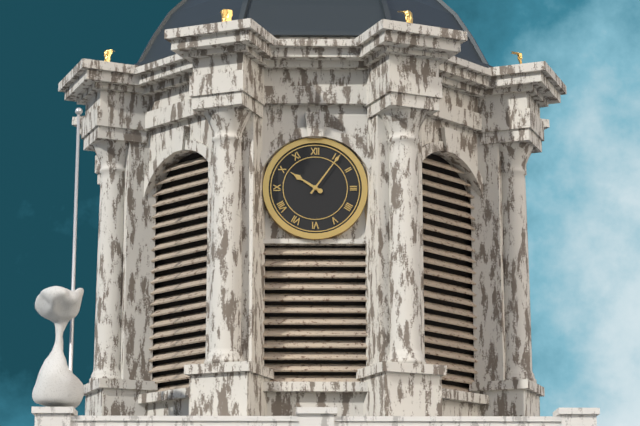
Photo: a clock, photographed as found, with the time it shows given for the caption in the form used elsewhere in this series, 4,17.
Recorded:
10,06
